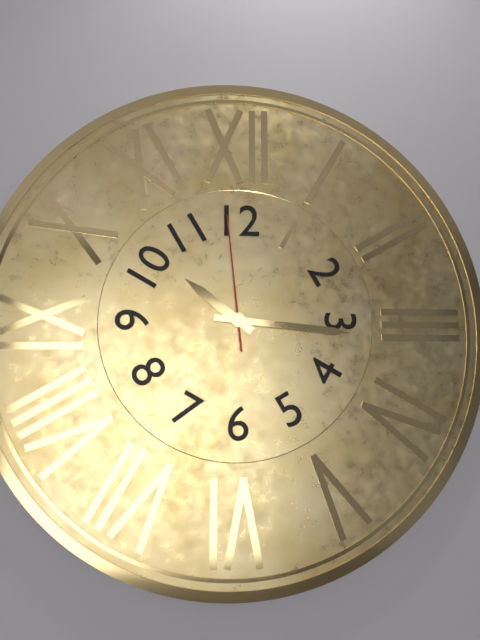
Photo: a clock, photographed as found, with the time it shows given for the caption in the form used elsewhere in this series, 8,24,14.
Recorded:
10,16,59
